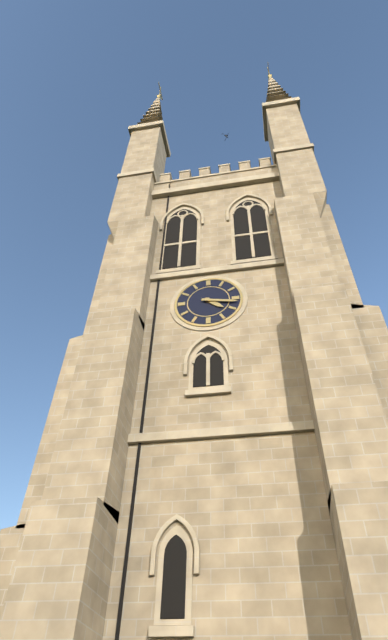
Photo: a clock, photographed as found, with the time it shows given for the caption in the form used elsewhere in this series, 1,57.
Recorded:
4,17
